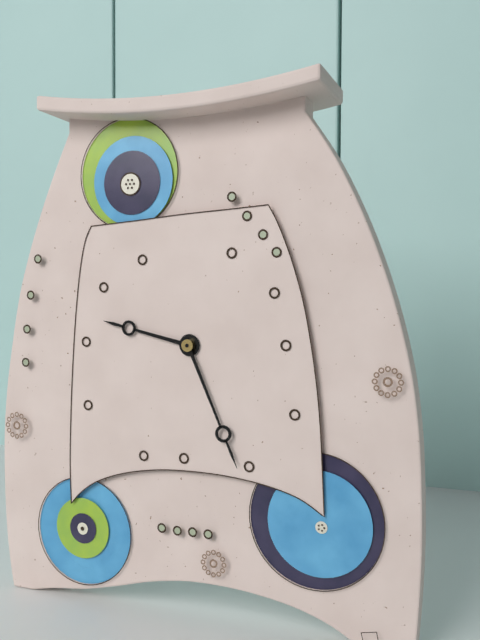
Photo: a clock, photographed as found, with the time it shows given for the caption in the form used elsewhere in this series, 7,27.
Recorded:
9,26
